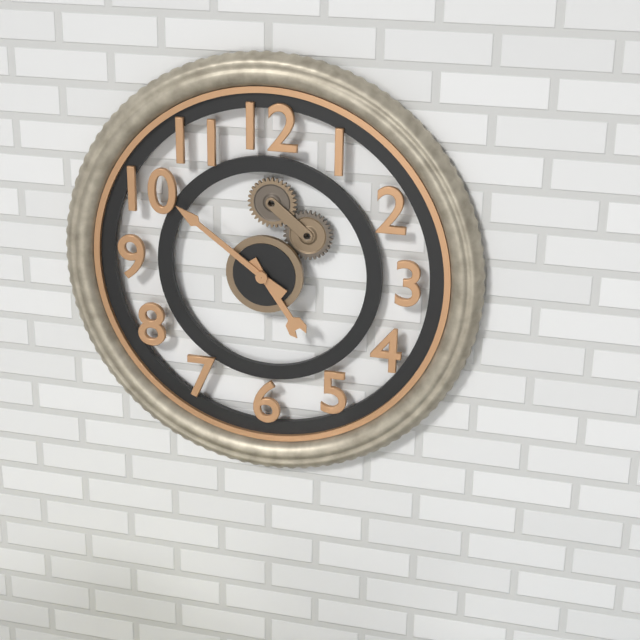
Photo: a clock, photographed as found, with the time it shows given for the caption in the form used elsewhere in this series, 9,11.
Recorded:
4,51
